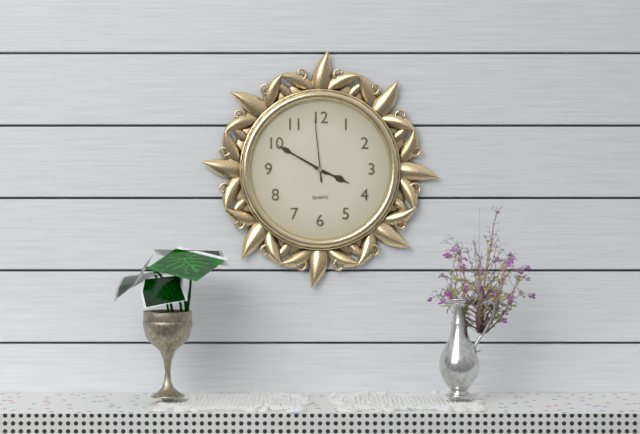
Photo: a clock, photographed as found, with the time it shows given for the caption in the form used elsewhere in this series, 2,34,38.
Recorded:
3,50,59
